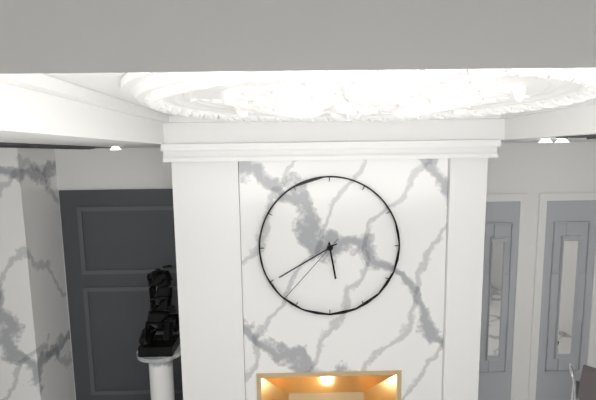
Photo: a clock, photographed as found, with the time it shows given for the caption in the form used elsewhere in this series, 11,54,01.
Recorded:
5,40,37
